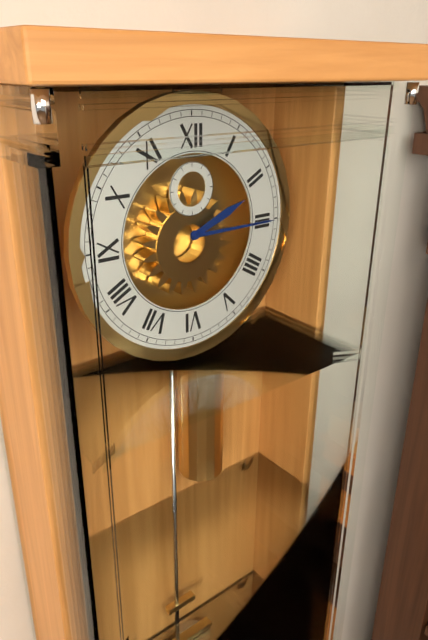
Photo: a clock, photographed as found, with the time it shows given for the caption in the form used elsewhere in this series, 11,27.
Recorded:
2,15
